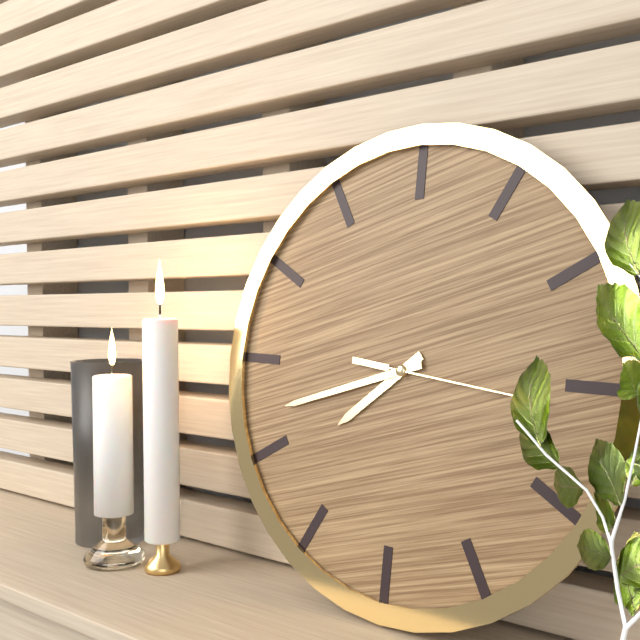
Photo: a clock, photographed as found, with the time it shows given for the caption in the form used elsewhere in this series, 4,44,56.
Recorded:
7,42,16
